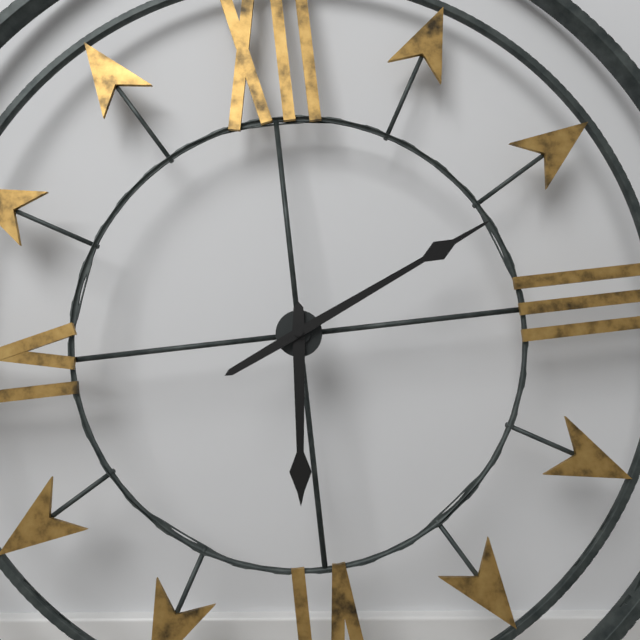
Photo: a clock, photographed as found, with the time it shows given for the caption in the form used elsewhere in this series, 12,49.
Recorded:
6,11
